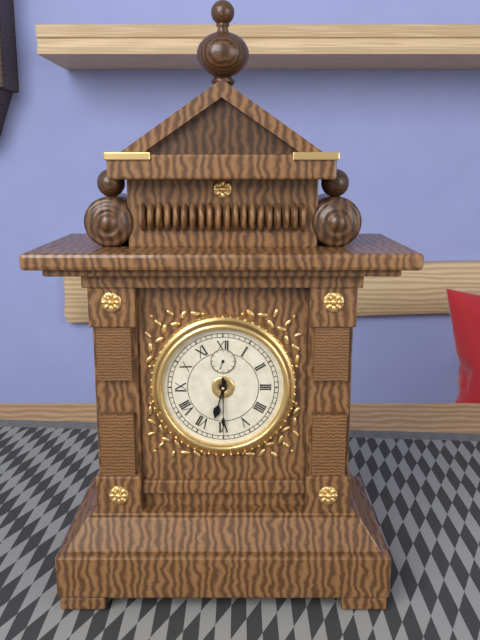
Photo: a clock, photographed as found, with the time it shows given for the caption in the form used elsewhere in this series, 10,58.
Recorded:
6,30
